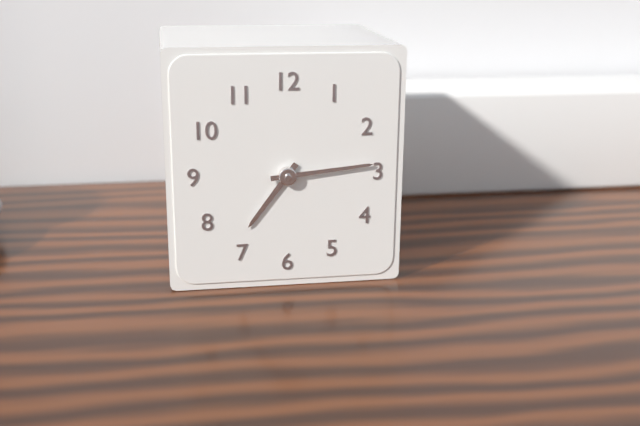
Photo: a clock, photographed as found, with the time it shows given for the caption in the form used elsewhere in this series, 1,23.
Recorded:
7,14
